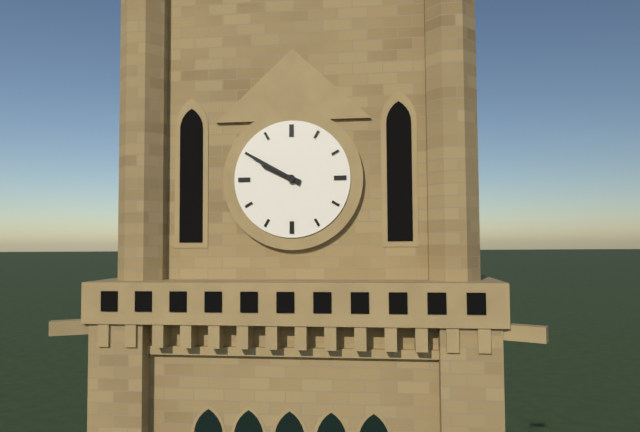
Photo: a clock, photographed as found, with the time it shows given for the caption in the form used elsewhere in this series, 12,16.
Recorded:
9,50
